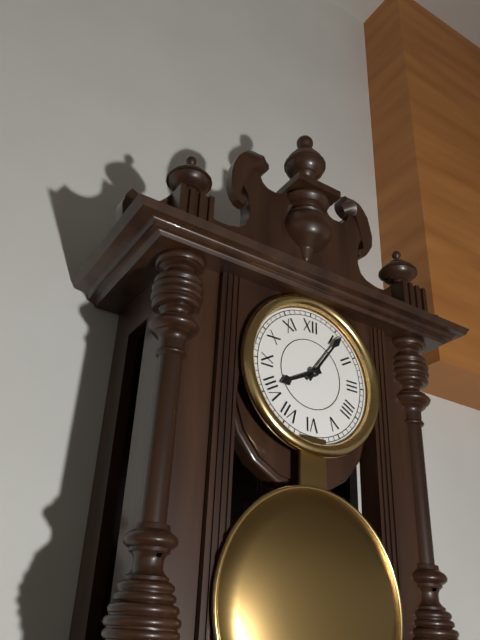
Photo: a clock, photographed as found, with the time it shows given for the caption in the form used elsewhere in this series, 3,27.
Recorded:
8,06
